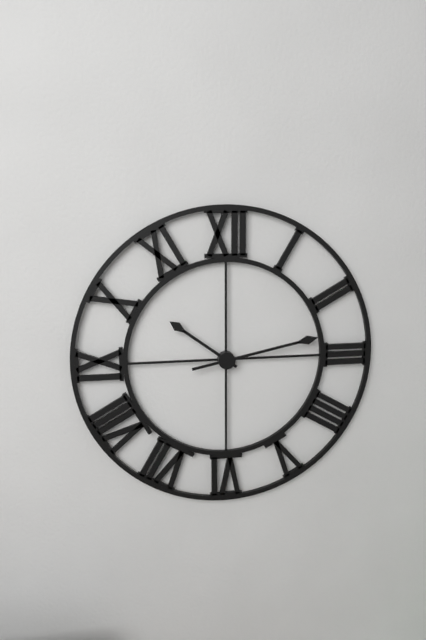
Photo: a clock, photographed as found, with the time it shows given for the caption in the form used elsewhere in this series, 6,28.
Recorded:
10,13
